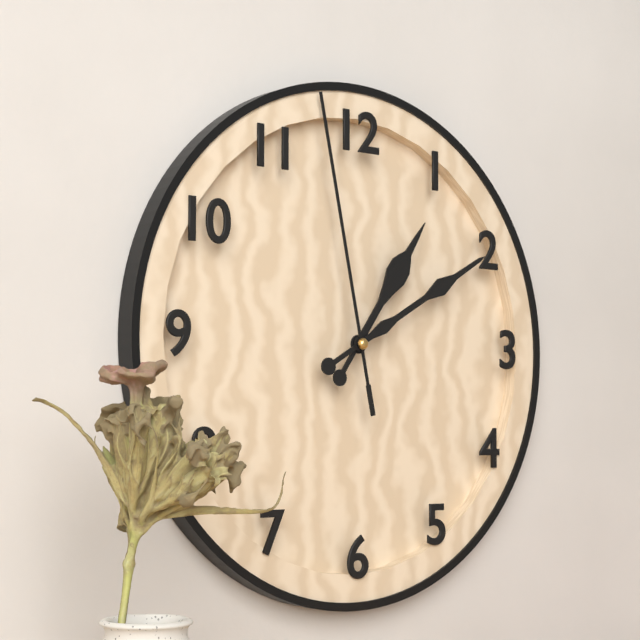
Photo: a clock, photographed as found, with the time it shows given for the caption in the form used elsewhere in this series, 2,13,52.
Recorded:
1,10,58
